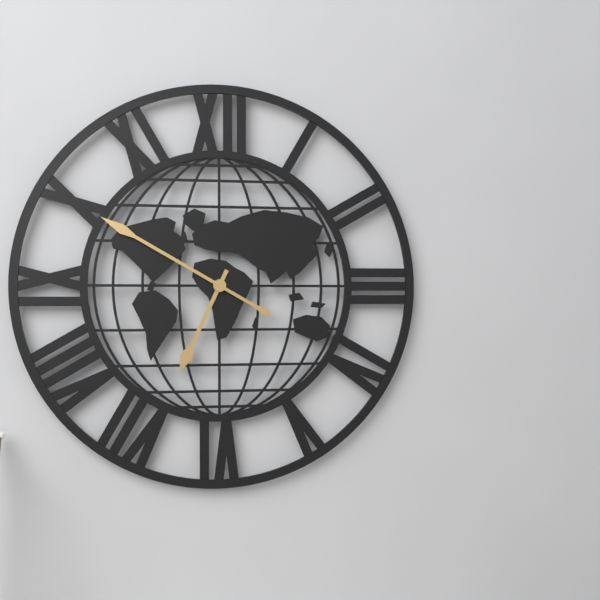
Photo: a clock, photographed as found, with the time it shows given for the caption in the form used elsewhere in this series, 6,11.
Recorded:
6,50
